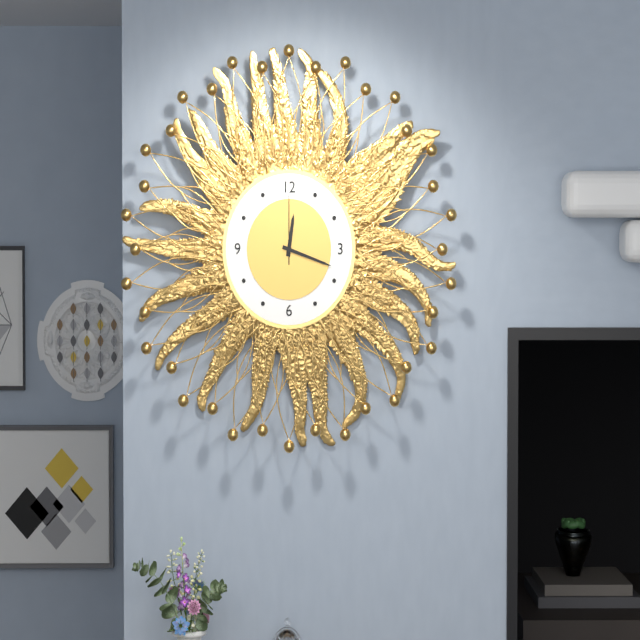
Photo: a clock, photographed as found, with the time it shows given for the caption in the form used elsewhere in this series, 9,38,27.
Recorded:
12,18,00
